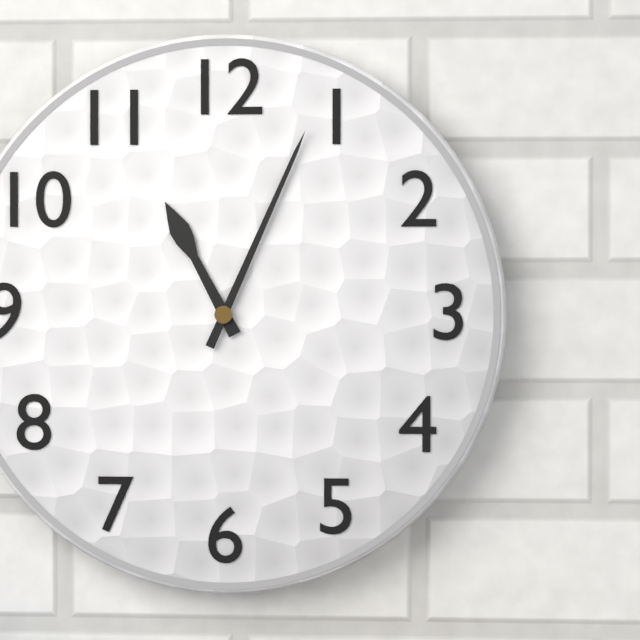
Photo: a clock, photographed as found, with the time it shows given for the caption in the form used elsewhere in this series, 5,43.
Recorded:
11,04
